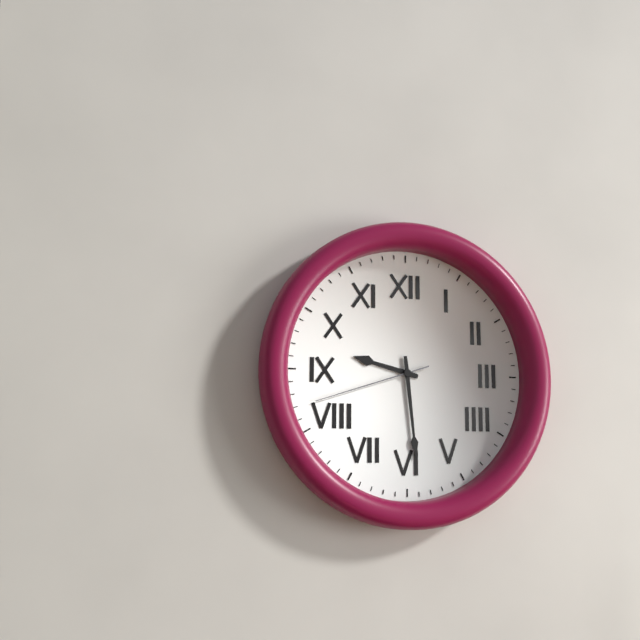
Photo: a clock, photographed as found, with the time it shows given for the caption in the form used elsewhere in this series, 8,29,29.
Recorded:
9,29,42
